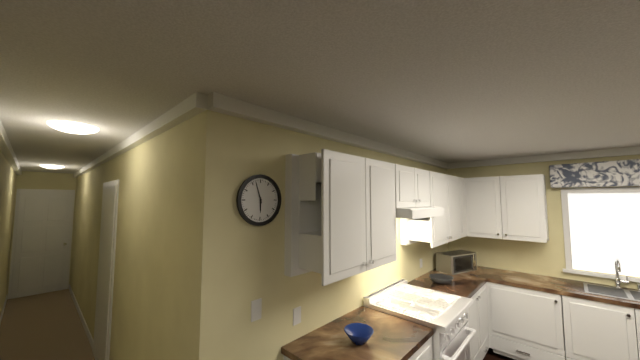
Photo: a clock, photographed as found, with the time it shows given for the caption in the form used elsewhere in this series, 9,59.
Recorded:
5,57
